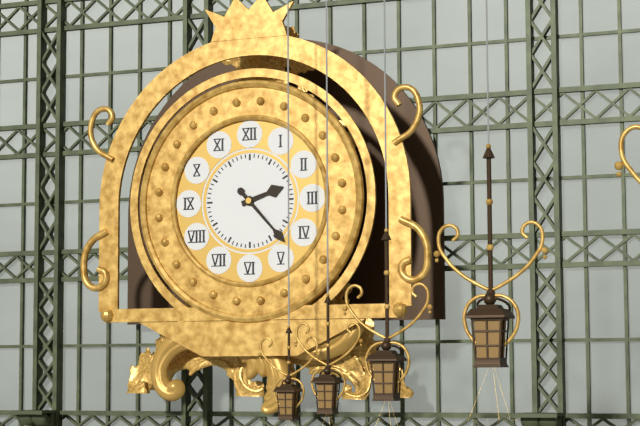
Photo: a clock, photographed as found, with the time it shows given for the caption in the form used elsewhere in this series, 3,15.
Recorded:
2,23
